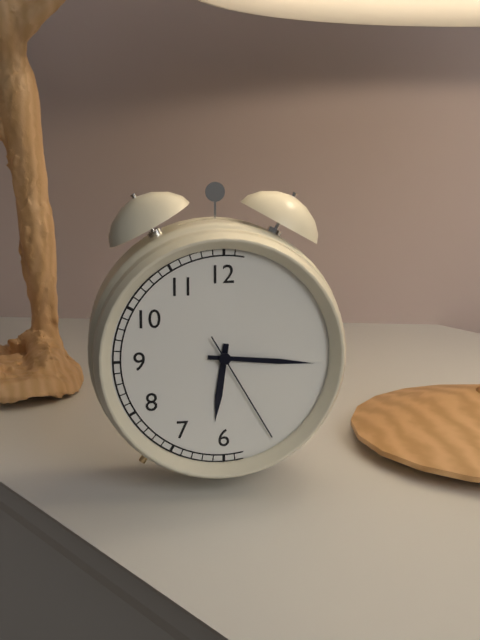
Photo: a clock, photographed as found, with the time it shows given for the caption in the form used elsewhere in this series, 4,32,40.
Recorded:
6,16,25
